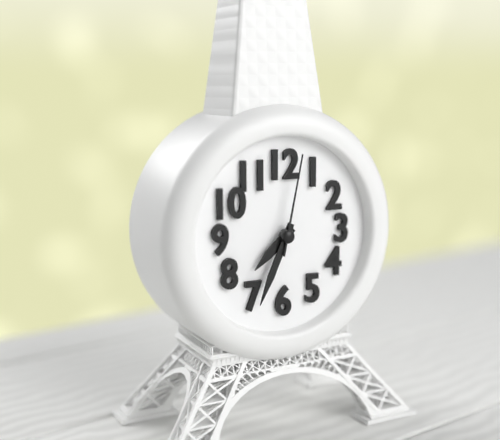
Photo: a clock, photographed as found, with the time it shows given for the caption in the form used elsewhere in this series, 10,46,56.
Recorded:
7,34,02
